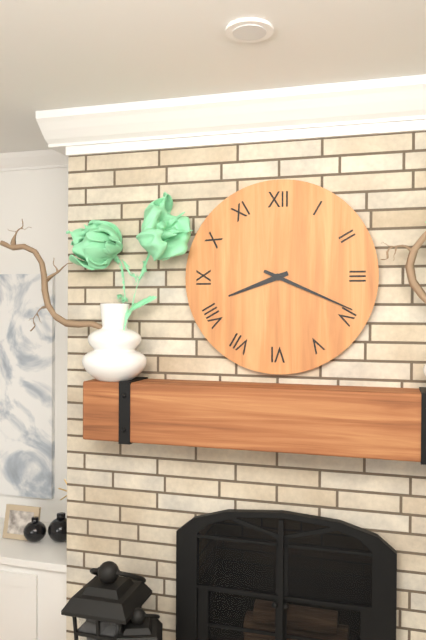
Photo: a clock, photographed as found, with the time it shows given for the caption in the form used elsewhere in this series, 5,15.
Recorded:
8,19
